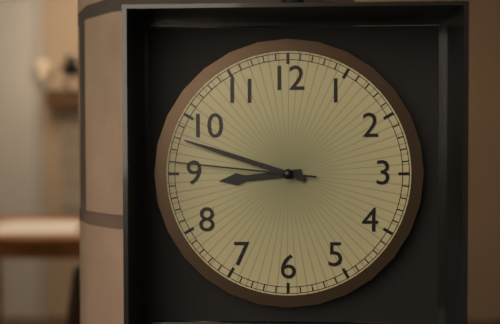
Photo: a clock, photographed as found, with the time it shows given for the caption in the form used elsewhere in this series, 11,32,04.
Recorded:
8,48,46
